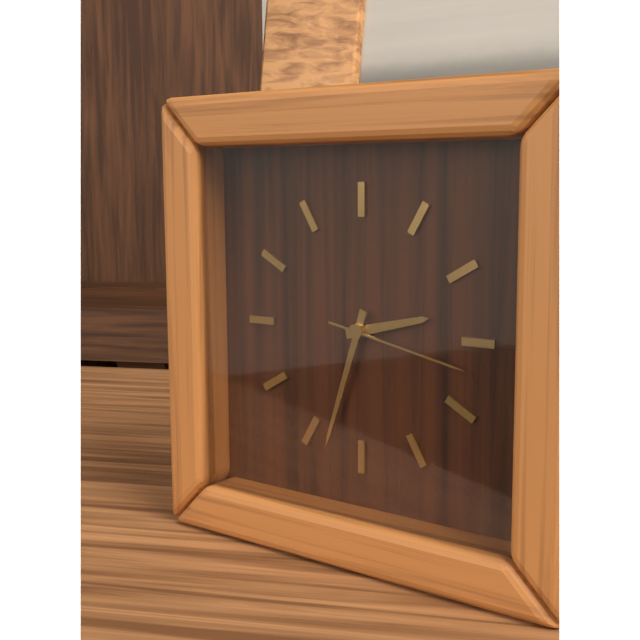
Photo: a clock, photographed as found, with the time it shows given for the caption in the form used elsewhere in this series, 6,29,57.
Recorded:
2,33,17
